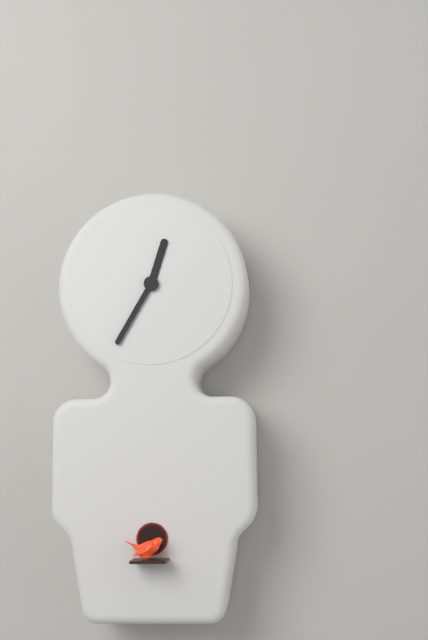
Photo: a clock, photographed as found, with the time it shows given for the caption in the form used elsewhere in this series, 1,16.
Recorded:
12,35
